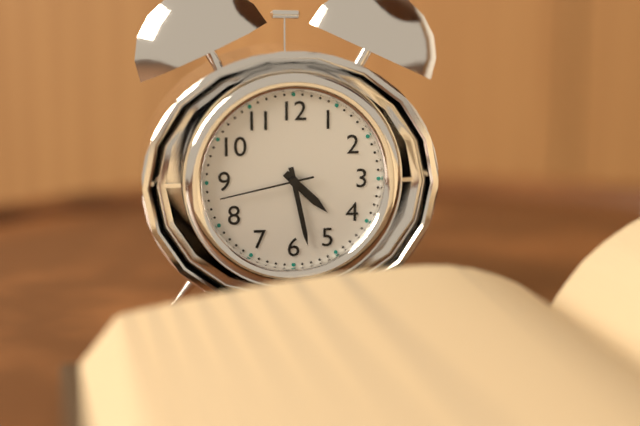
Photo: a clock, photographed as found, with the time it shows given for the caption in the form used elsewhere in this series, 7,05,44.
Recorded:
4,28,43
